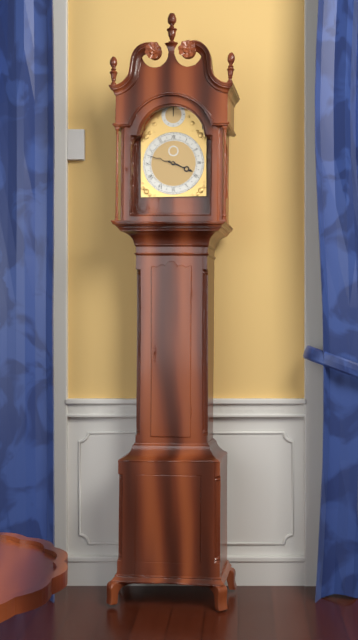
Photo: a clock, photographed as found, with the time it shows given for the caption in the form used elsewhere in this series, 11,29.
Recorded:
3,48
